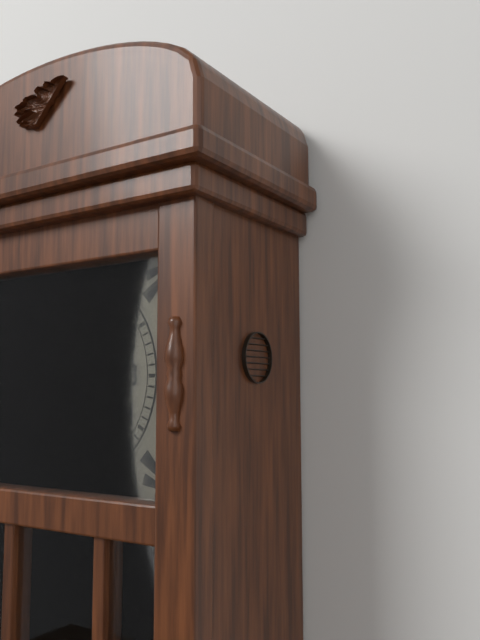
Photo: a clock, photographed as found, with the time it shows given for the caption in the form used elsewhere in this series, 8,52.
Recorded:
9,56
